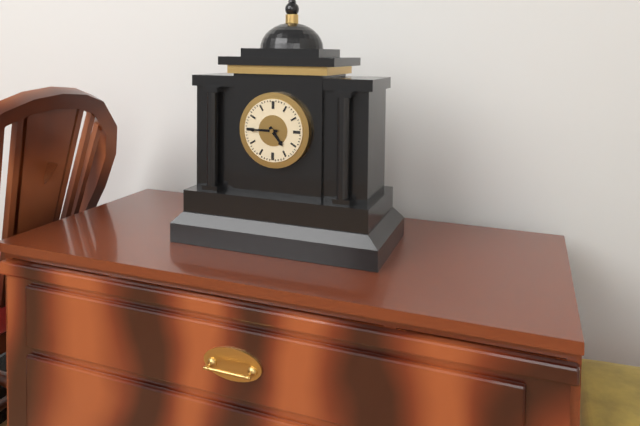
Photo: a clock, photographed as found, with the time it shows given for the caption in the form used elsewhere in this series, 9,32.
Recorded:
4,45
